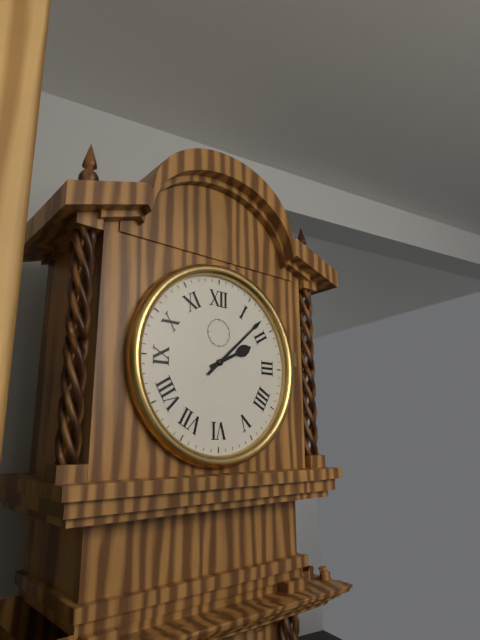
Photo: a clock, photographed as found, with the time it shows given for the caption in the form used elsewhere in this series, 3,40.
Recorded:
2,08
